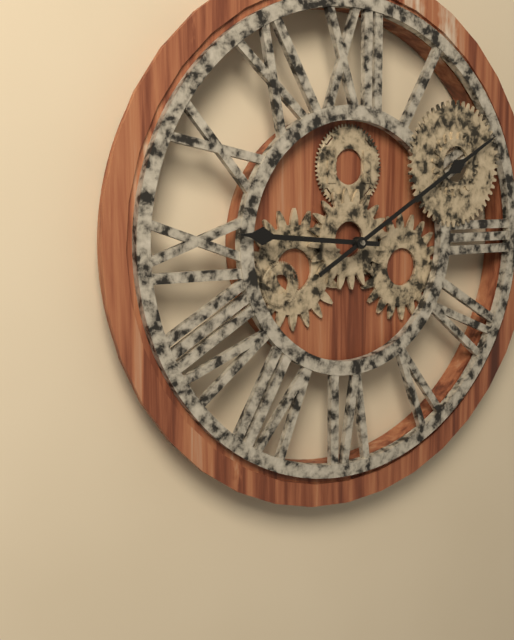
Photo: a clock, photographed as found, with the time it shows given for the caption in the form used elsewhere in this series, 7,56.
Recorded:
9,10
